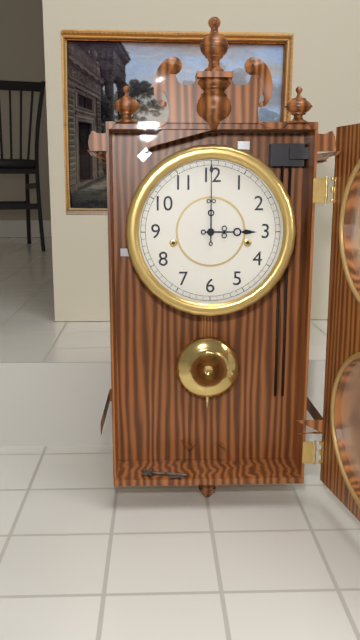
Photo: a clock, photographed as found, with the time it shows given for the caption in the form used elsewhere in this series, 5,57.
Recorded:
3,00
